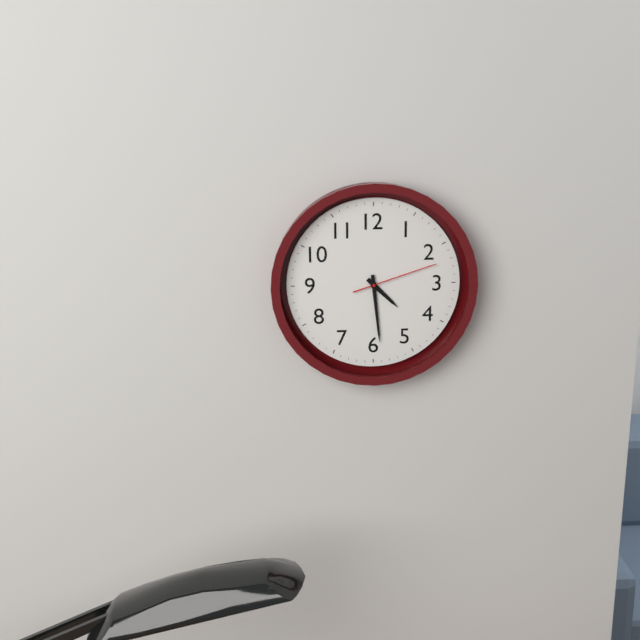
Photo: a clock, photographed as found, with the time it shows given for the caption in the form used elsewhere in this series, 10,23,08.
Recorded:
4,29,12
